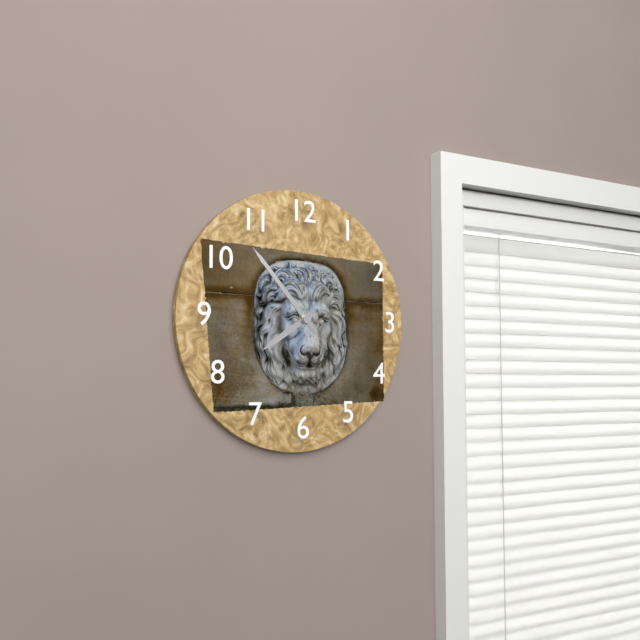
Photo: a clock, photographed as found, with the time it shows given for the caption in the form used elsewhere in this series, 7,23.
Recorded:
7,53
